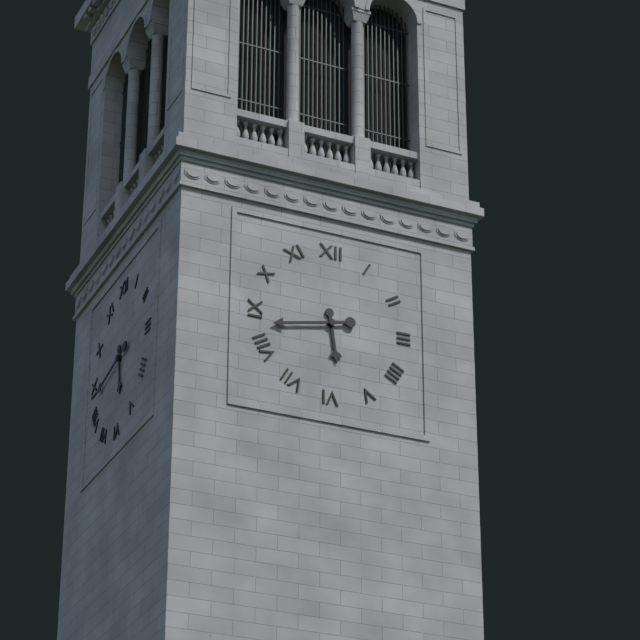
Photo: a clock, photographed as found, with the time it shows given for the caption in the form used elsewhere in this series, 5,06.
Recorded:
5,43
